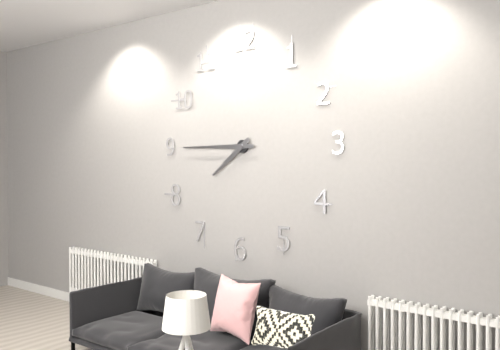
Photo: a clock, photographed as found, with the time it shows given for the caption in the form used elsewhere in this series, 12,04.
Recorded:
7,45
